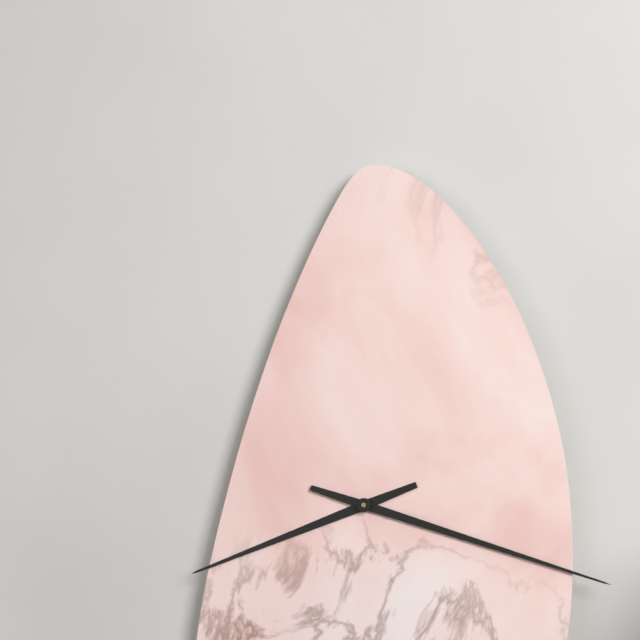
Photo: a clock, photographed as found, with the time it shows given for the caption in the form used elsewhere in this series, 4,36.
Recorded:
8,18
